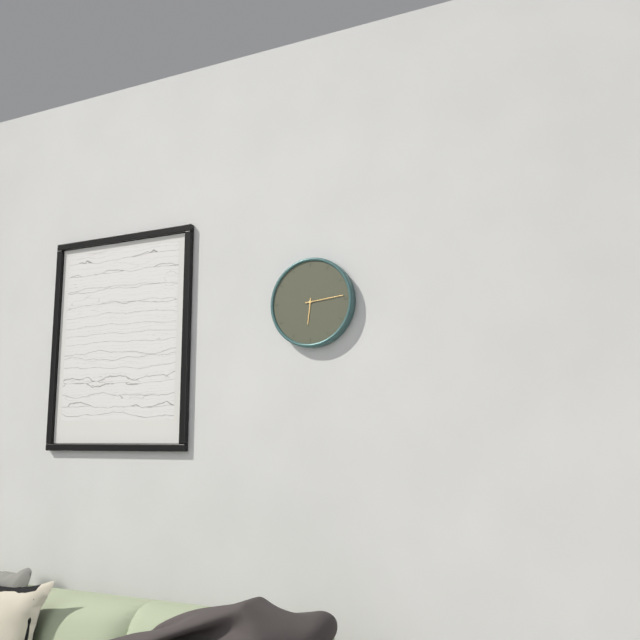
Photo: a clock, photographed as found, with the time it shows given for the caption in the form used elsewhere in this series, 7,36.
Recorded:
6,14
